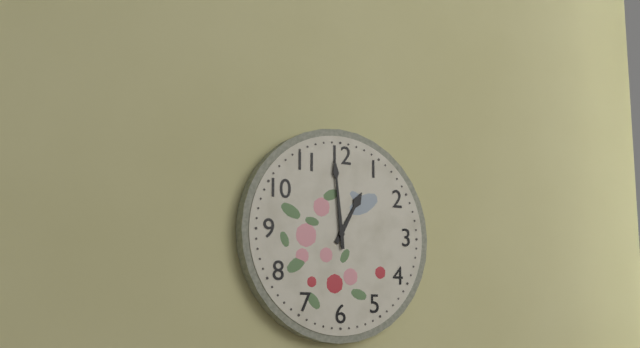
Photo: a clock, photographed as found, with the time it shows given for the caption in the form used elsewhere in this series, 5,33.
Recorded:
12,59
